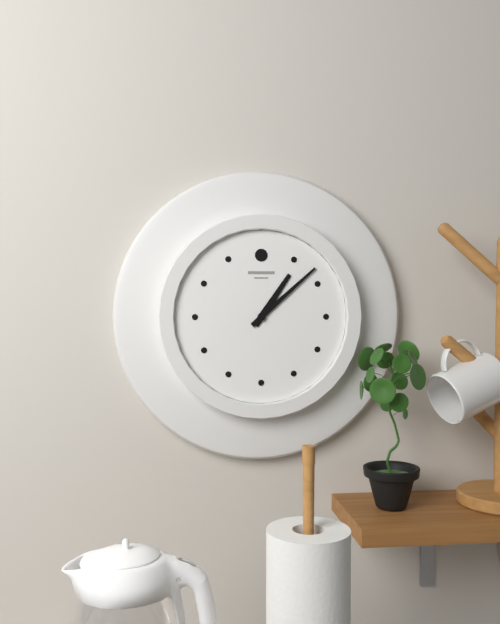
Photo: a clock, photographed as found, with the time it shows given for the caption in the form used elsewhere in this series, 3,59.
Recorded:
1,08
